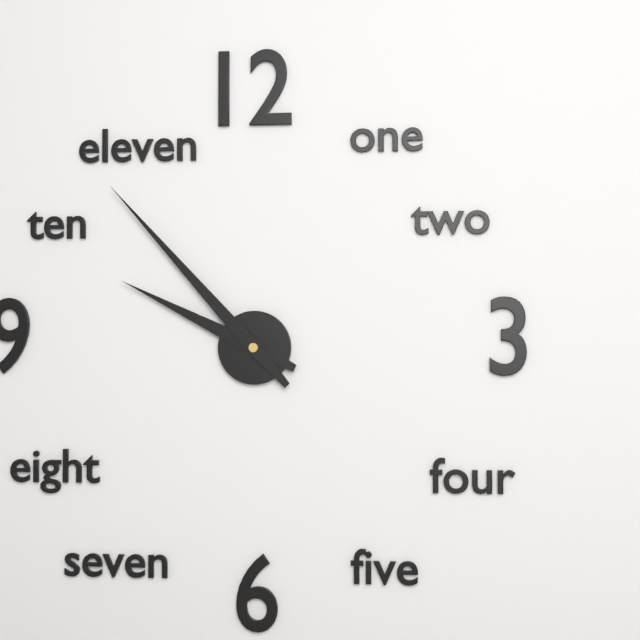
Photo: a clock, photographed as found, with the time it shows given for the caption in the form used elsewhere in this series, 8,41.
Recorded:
9,53
